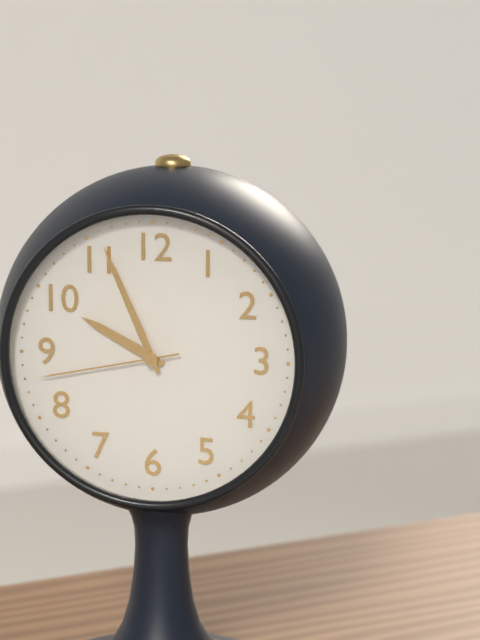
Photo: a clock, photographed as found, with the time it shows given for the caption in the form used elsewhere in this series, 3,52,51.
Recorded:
9,56,43
